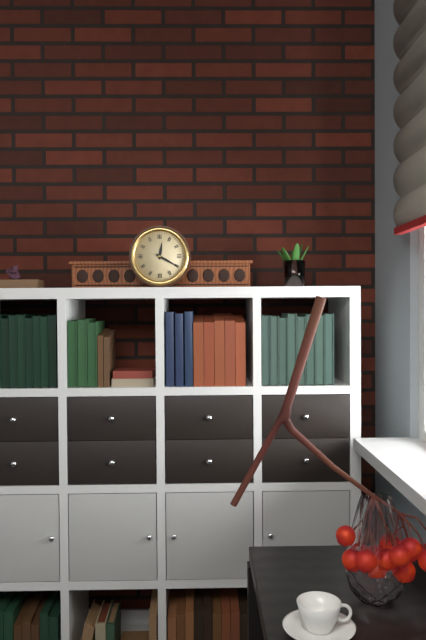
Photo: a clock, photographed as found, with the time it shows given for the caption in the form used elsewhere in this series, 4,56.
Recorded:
12,20
